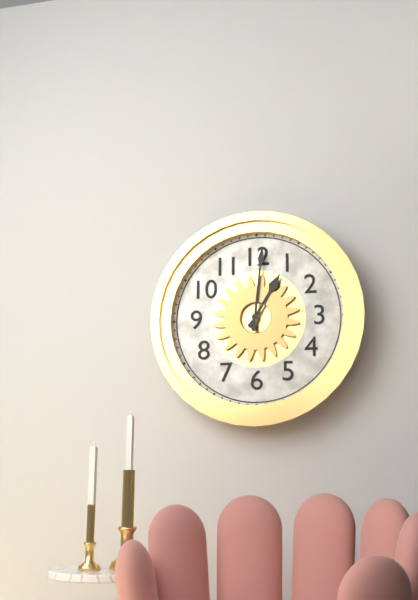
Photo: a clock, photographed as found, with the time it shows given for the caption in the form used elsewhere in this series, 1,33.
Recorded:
1,01
